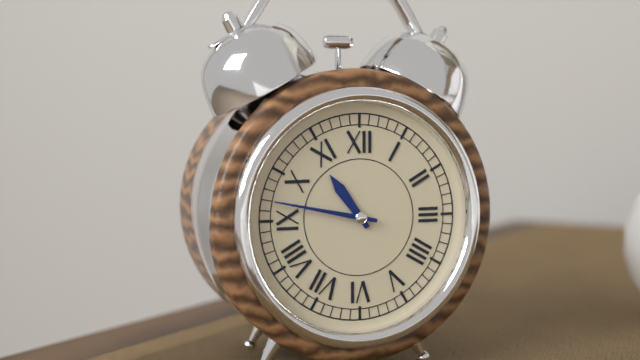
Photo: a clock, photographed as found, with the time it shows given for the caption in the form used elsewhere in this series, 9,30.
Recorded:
10,47
